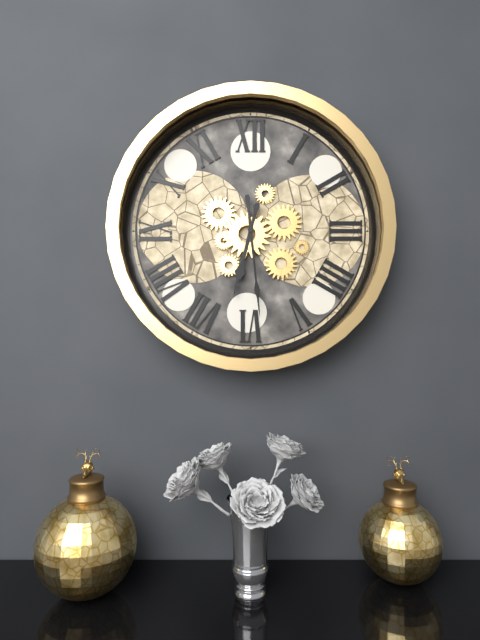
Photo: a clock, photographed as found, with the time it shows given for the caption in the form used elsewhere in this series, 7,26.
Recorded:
6,29
